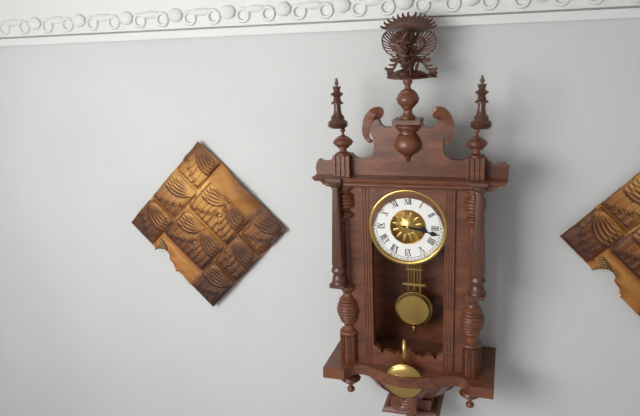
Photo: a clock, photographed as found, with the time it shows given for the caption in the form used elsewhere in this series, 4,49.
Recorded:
3,17
